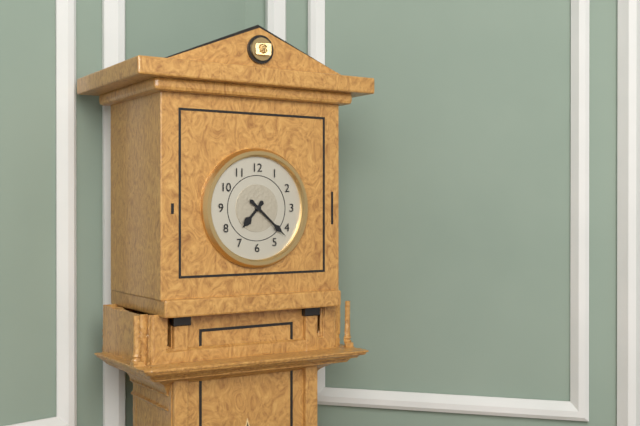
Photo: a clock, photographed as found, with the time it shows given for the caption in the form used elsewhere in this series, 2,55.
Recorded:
7,22
